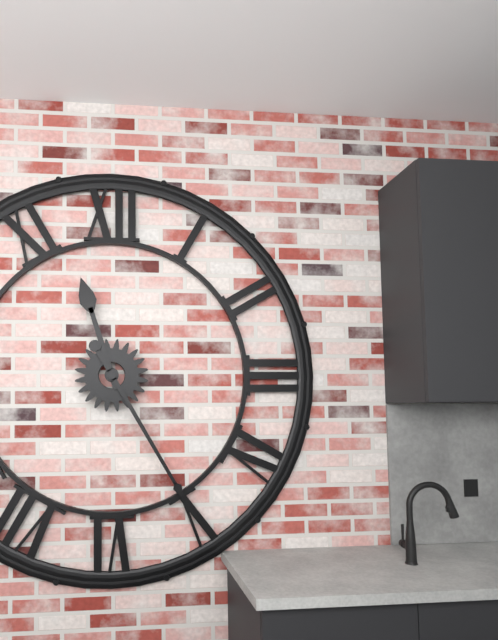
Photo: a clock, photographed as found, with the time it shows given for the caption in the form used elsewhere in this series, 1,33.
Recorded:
11,25
